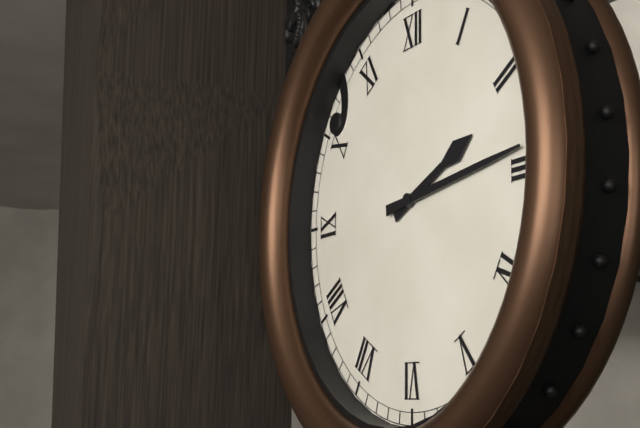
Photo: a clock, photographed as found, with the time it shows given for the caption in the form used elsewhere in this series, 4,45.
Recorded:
2,14
